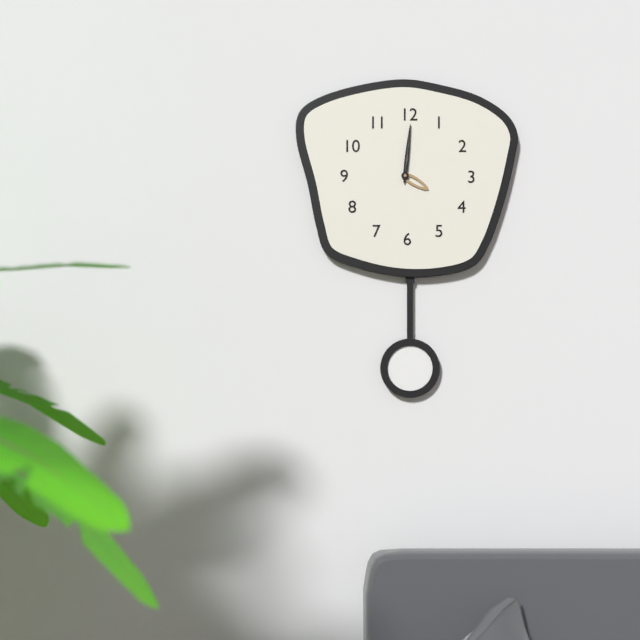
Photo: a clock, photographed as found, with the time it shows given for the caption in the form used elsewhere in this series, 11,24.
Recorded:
4,01
